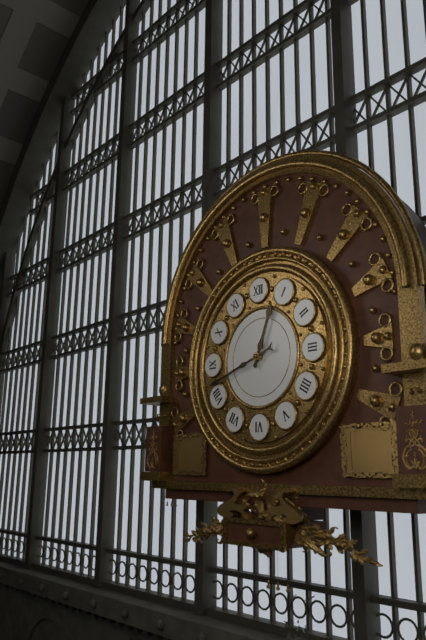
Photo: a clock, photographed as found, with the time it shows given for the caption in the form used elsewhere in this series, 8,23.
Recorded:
12,42
